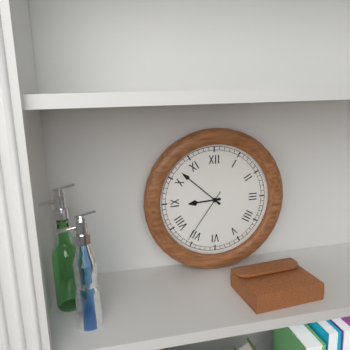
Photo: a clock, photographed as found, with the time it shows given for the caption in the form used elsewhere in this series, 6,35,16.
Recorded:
8,52,36
